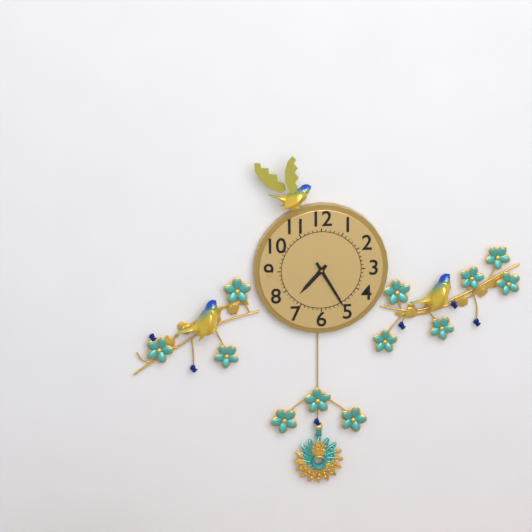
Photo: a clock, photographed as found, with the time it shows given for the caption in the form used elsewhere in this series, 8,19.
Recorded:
7,25
